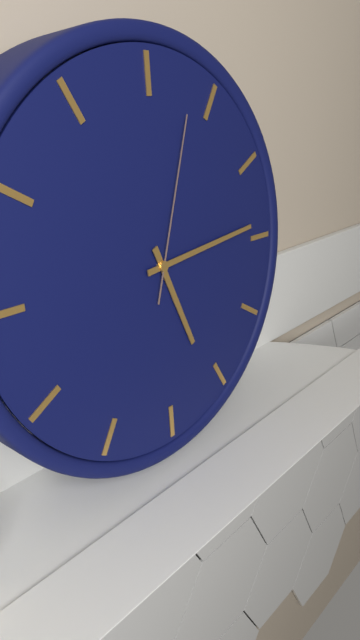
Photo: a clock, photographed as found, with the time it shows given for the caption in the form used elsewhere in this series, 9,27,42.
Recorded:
5,14,03
